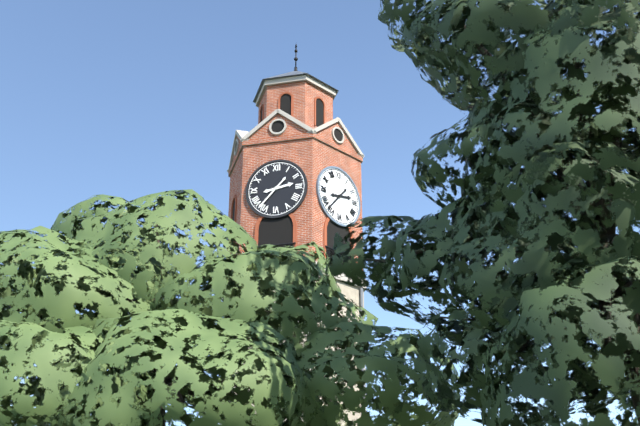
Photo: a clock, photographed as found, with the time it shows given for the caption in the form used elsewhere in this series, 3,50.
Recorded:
2,37
